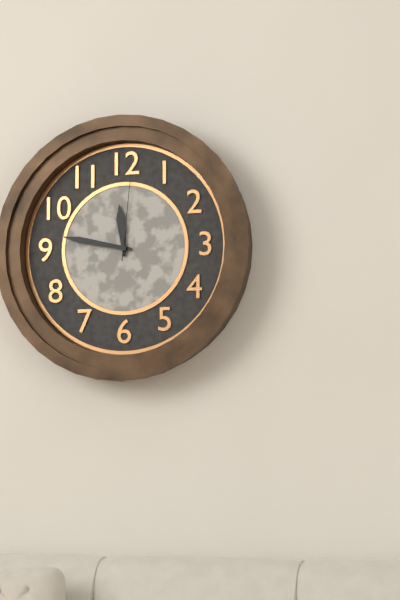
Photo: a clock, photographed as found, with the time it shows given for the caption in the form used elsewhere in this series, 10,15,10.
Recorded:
11,47,01
